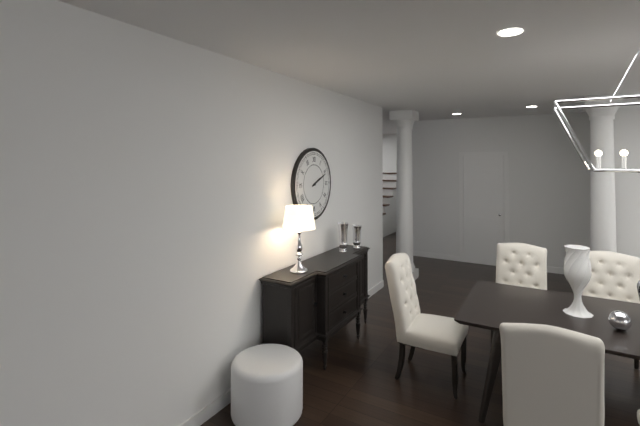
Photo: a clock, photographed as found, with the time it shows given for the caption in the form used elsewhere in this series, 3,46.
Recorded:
2,11
